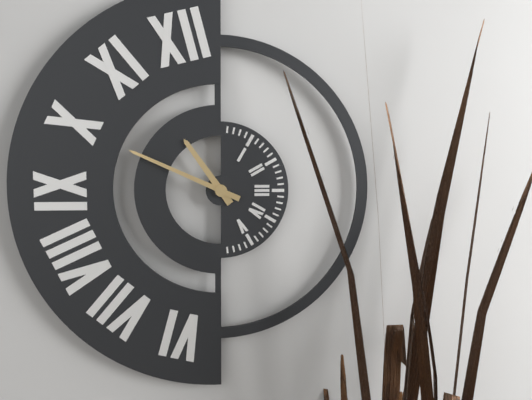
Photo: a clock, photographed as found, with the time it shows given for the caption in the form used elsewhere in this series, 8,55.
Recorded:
10,49
